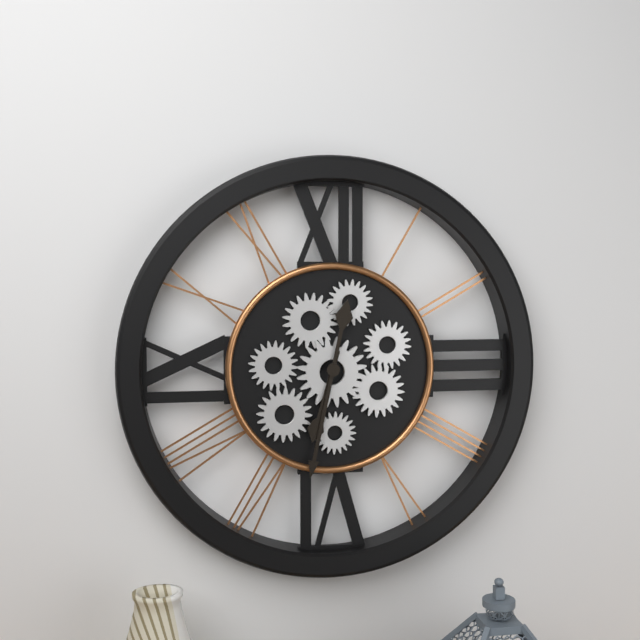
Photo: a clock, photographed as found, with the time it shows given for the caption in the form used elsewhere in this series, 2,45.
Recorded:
6,32
